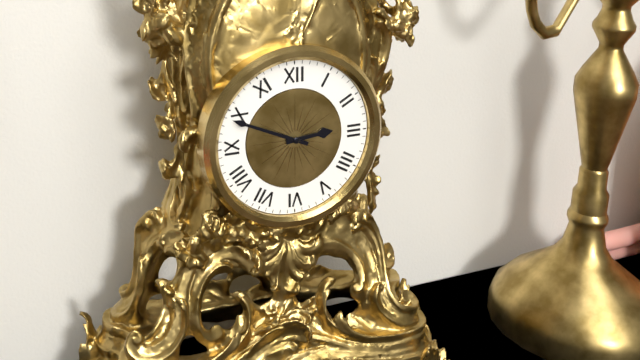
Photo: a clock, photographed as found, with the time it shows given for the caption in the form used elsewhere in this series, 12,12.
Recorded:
2,49
